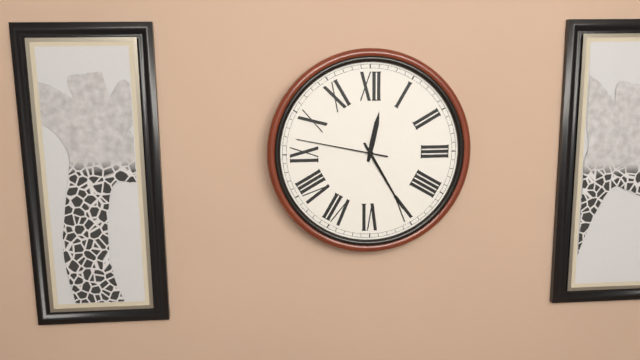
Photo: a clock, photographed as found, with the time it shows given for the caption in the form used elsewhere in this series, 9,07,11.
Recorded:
12,25,47
